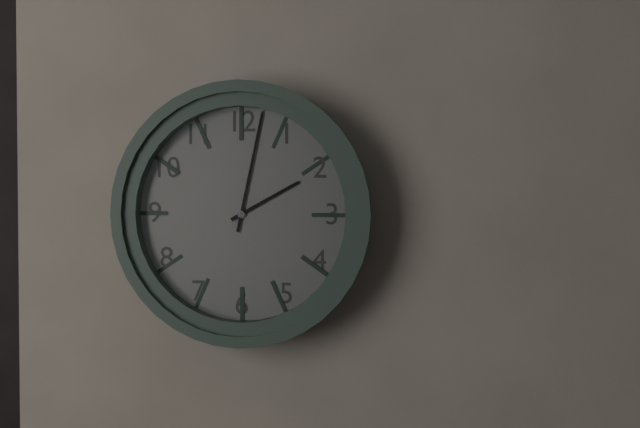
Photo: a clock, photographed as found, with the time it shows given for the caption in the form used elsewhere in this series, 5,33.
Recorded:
2,02
